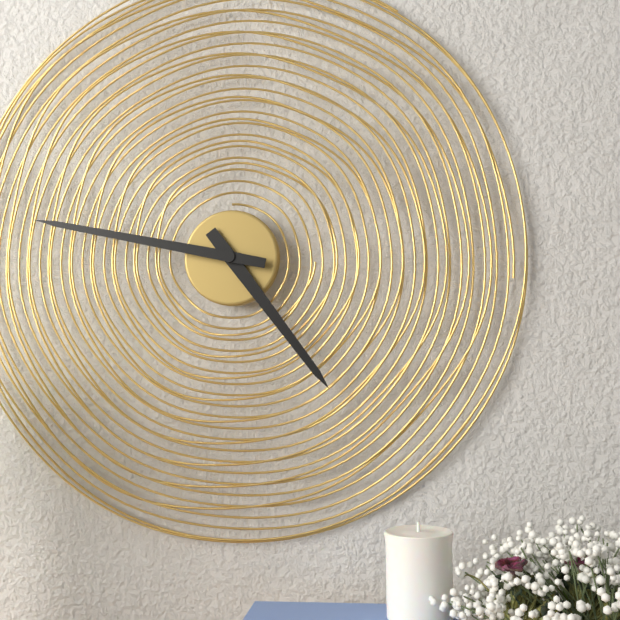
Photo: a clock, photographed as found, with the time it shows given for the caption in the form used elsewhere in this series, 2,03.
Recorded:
4,47
